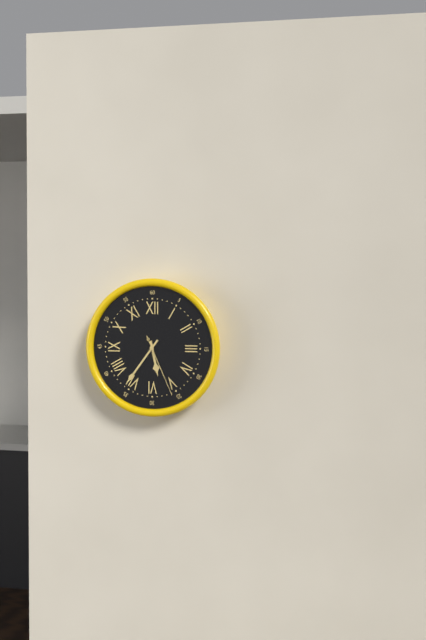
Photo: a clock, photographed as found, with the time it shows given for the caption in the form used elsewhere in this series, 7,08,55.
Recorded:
5,36,26
